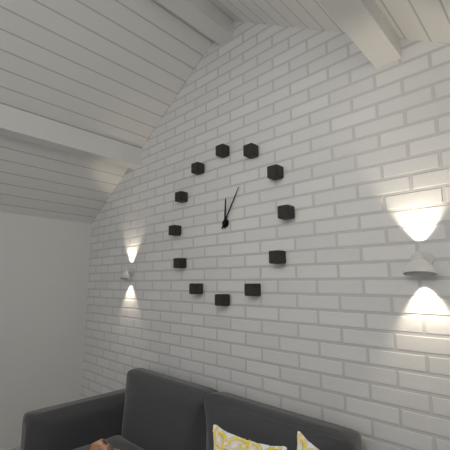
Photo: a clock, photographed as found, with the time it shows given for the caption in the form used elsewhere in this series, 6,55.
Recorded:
12,05
